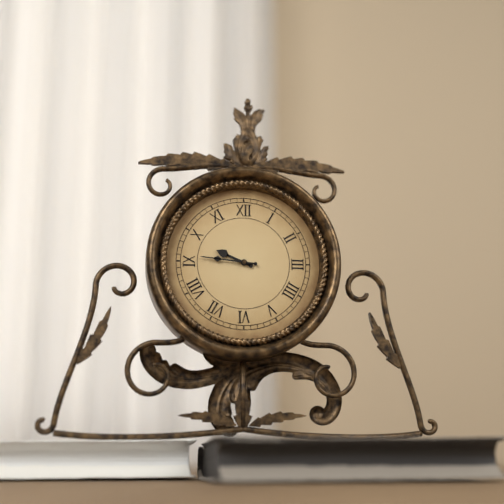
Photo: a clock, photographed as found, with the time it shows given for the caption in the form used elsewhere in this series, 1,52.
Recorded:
9,46
